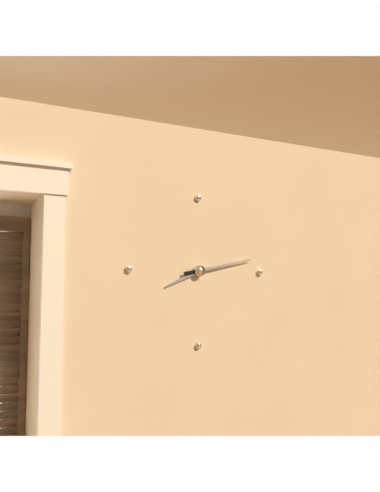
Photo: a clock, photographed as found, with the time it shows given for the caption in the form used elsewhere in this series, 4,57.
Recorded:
8,13
